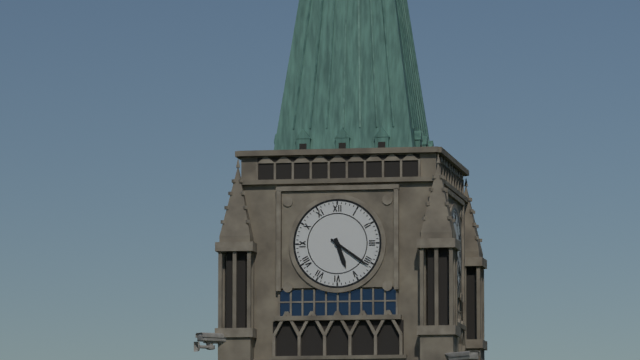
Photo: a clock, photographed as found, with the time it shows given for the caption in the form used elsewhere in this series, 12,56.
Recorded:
5,21
